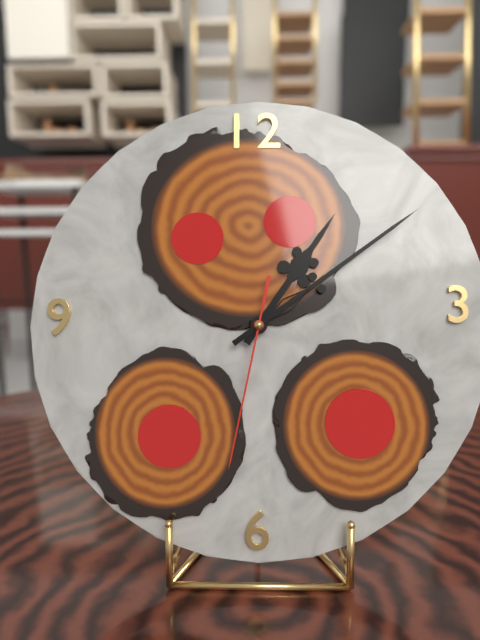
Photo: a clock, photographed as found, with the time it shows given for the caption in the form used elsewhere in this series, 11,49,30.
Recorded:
1,09,32
